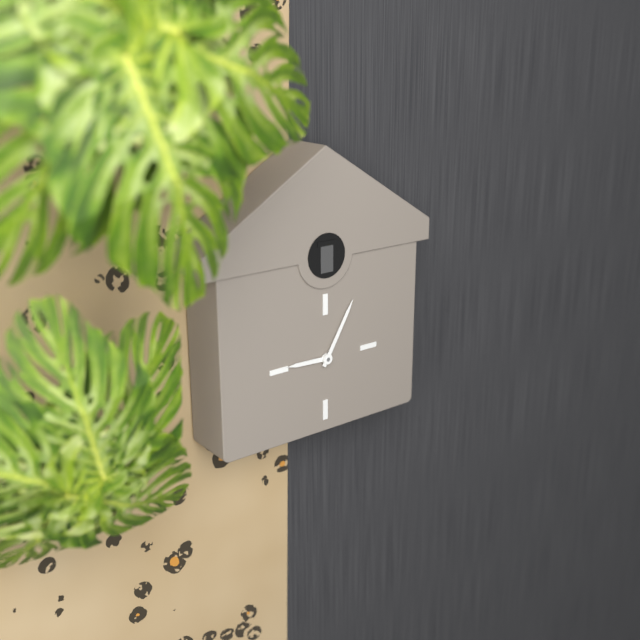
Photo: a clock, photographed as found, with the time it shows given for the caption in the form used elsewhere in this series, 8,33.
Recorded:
9,05
